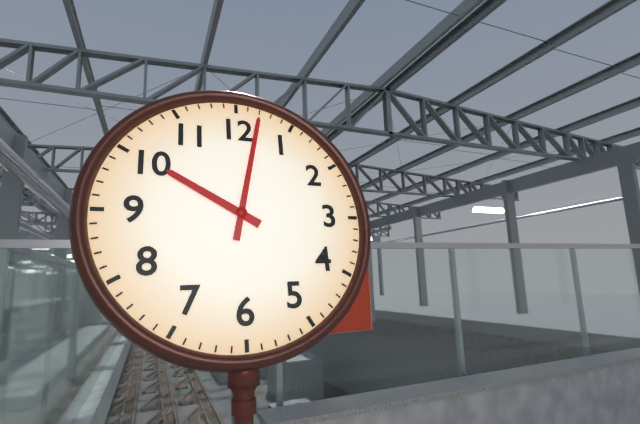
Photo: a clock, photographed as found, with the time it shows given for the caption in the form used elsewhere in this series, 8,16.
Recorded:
10,02
